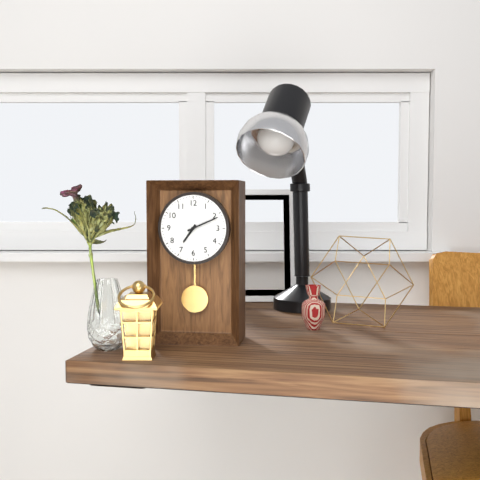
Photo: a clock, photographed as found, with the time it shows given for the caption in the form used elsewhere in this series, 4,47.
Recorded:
7,11
